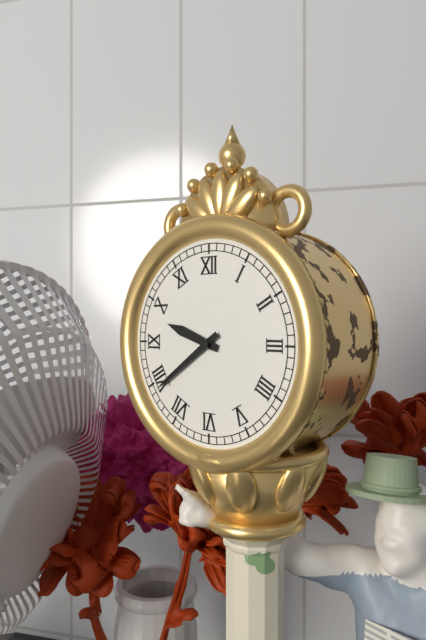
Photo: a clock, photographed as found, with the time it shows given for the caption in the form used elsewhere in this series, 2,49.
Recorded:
9,39
